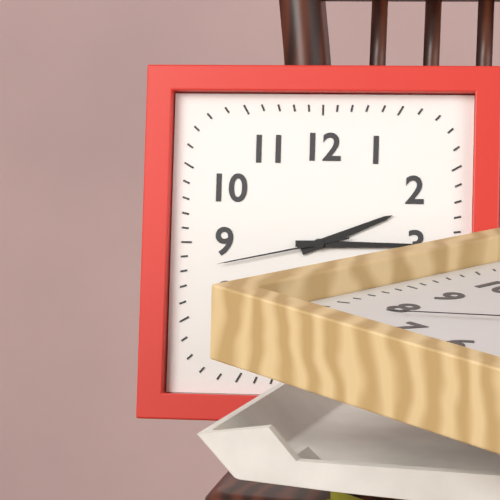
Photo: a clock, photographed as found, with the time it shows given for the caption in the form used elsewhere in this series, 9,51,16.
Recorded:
2,15,43
